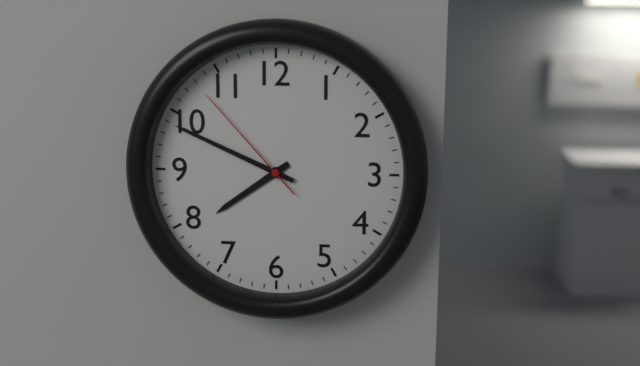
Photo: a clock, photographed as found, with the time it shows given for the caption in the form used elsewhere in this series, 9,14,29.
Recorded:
7,49,53
